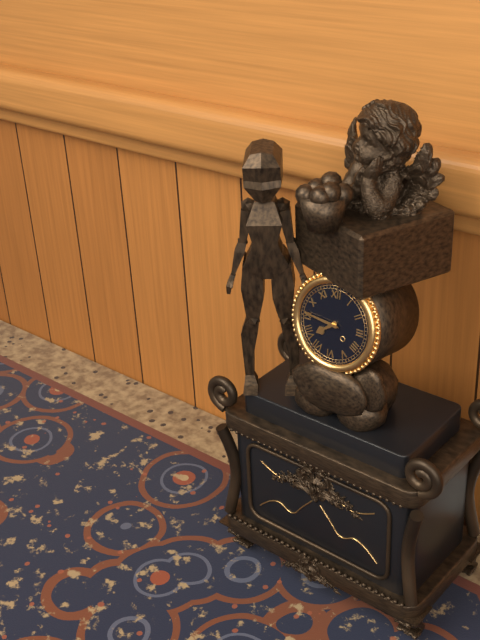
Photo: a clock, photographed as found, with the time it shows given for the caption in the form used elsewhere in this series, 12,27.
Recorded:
7,46
